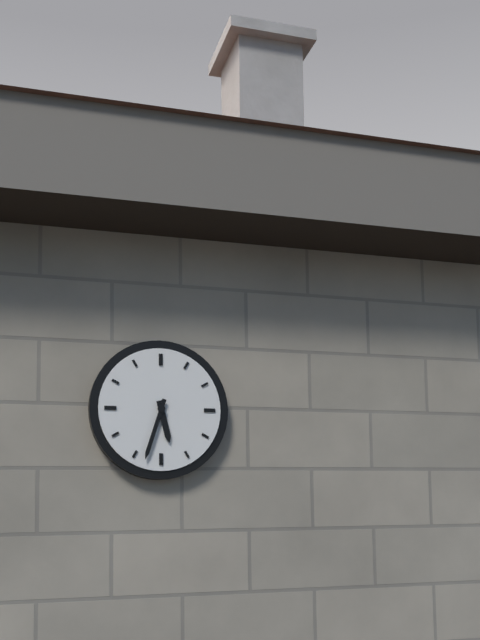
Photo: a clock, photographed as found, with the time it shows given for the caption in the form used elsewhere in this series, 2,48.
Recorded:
5,33
